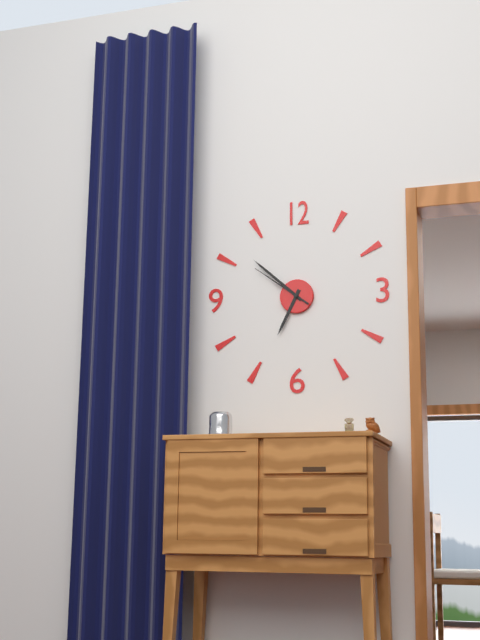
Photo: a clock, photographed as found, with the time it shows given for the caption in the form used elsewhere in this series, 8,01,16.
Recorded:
6,52,51
